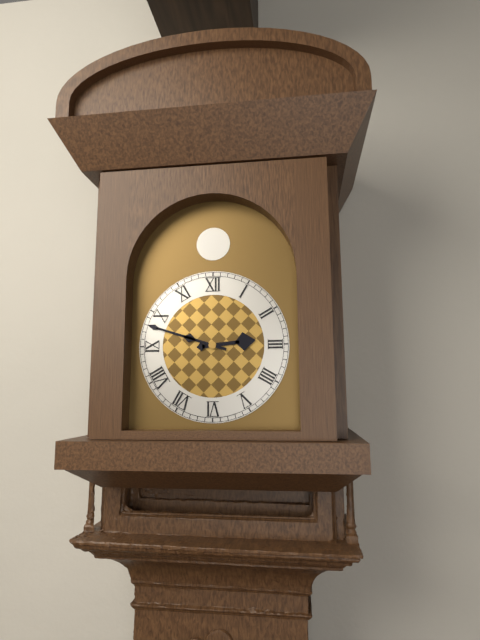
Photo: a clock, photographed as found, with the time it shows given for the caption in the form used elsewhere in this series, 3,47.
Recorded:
2,48
